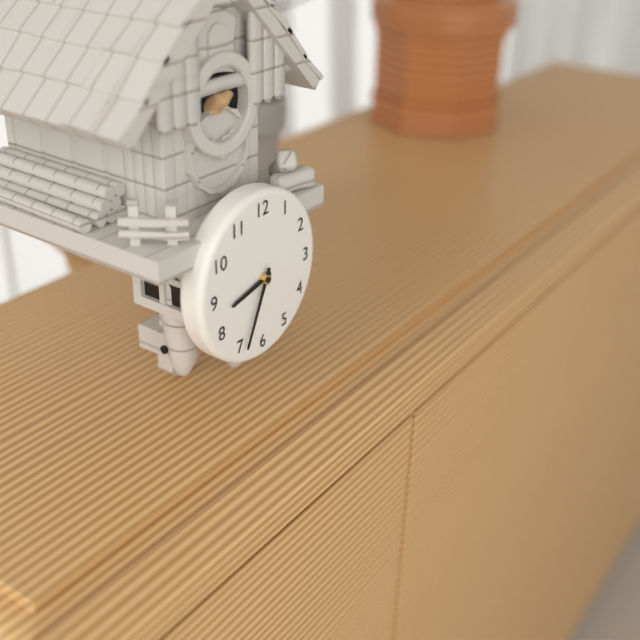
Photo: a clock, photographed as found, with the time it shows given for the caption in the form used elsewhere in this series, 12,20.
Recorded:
8,34
